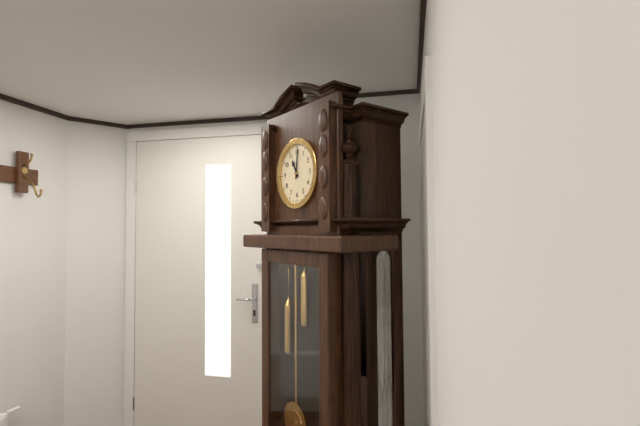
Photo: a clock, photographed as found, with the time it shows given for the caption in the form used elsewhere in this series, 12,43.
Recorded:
11,01
